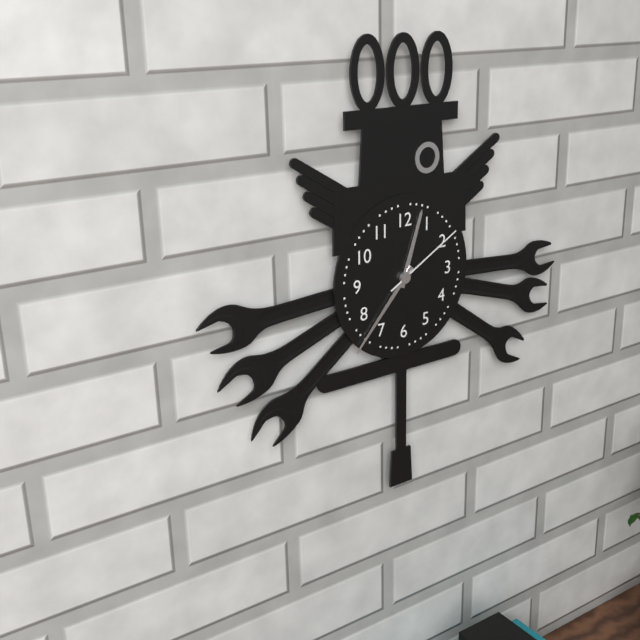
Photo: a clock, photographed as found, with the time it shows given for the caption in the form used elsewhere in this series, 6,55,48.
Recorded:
12,37,10
